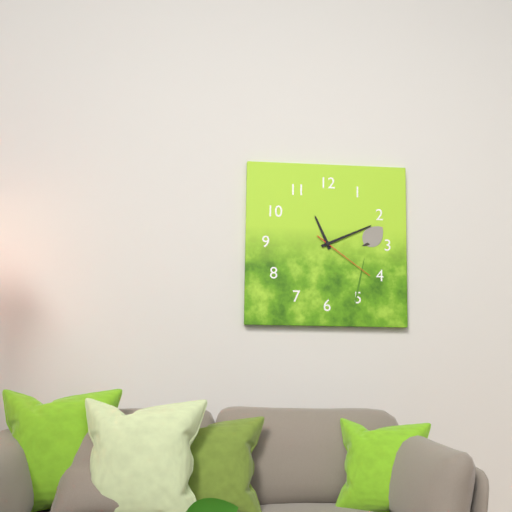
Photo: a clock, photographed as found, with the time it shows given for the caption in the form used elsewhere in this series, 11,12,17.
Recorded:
11,11,21
